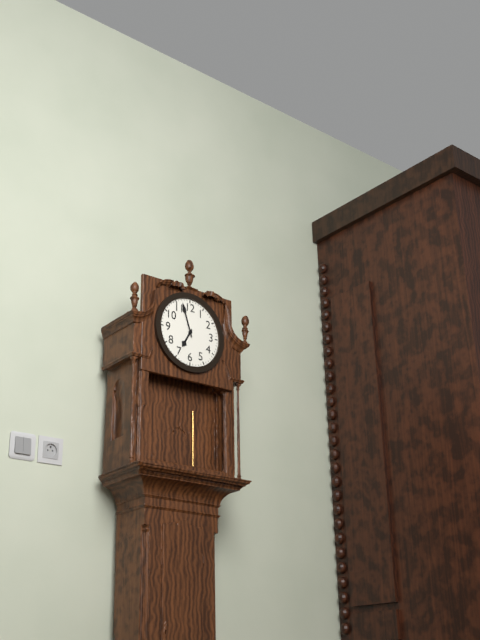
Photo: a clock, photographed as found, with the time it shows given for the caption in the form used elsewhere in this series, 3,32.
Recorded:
6,57
